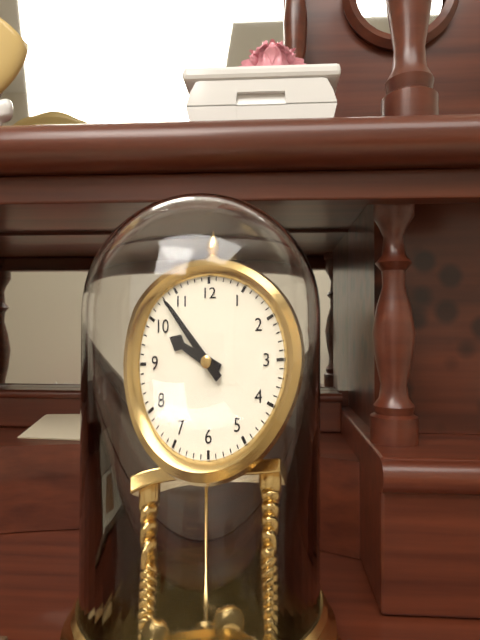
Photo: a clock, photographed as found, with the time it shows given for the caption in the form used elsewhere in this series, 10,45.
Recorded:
9,53
